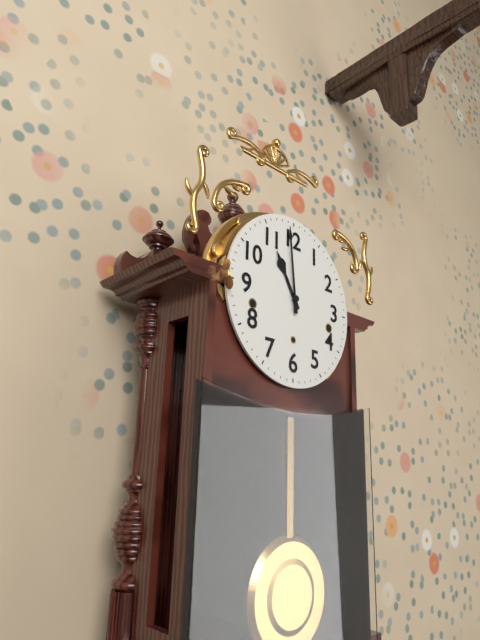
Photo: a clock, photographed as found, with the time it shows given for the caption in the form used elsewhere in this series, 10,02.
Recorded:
10,59
